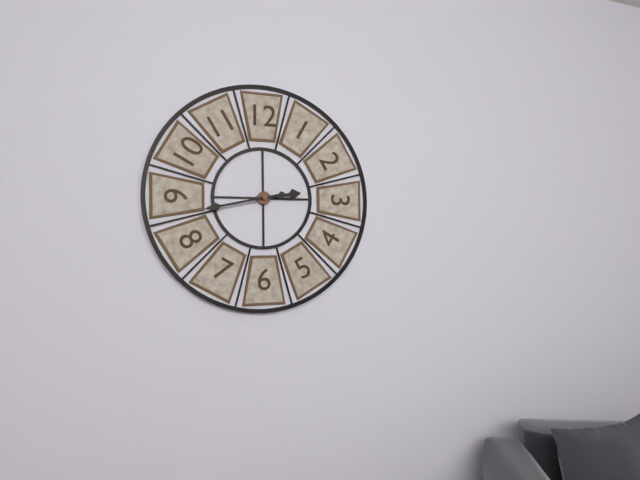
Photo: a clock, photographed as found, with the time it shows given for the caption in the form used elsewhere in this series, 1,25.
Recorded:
2,43
